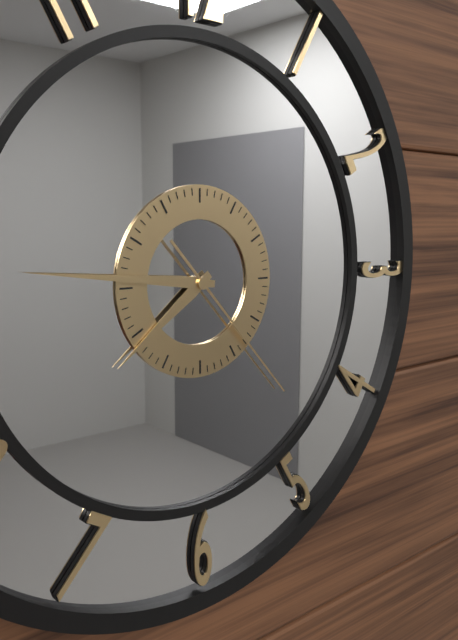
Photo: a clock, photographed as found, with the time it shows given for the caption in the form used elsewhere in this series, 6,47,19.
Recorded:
7,46,23
